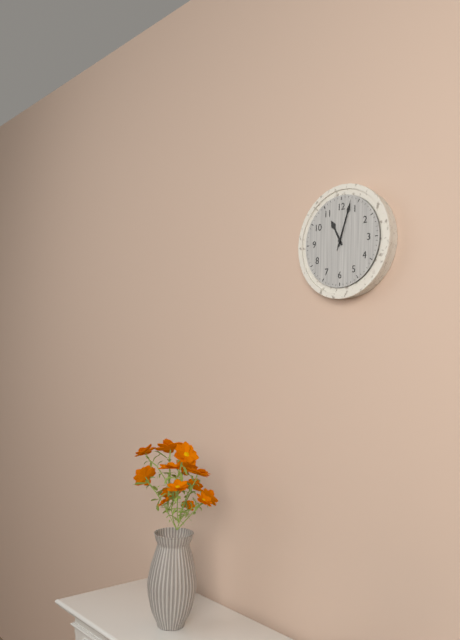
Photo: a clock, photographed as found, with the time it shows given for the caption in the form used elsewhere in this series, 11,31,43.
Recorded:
11,03,03
